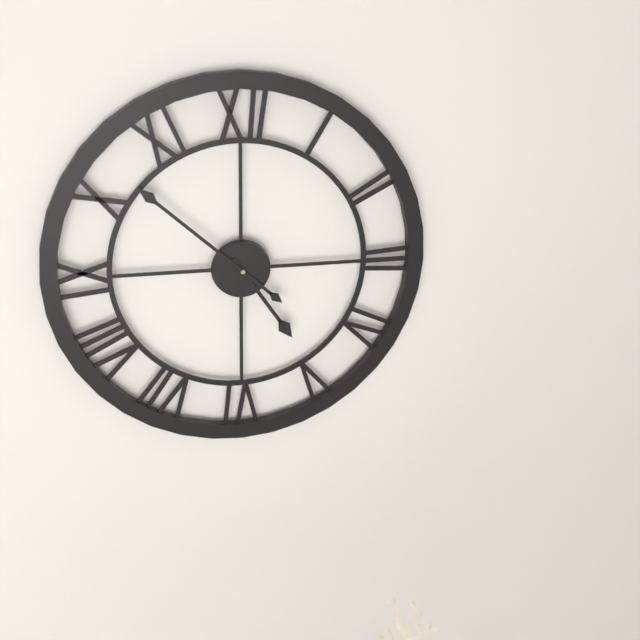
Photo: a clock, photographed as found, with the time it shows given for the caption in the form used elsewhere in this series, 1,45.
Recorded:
4,52
